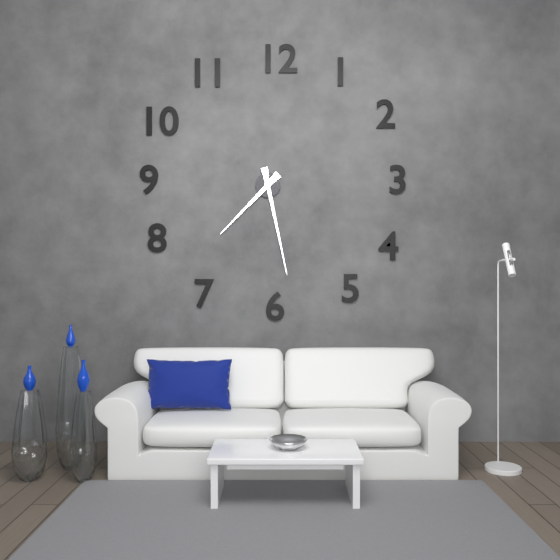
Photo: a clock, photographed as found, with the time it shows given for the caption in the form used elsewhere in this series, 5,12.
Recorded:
7,28
